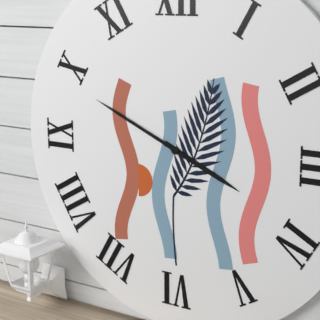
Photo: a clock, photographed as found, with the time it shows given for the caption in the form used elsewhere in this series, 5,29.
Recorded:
3,49
